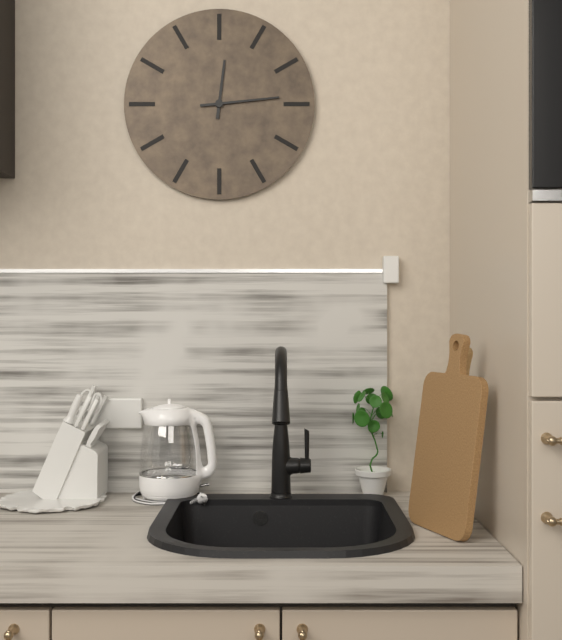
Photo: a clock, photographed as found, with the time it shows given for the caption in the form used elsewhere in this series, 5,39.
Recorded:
12,14
